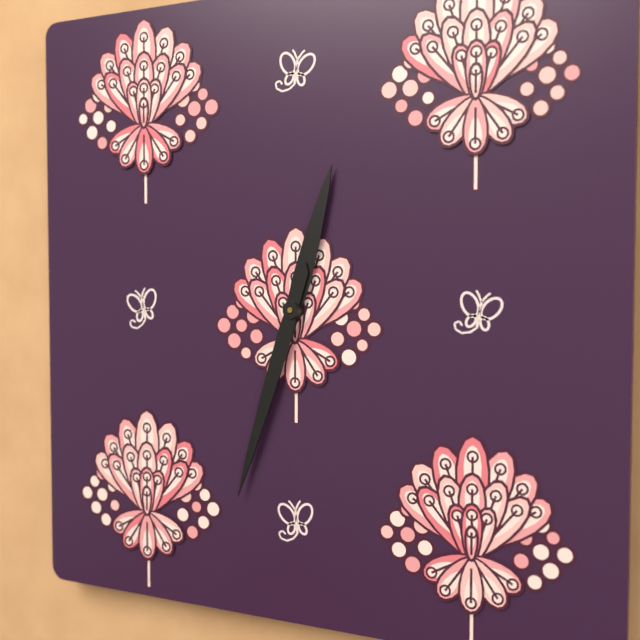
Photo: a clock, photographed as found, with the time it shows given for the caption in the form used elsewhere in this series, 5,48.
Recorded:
12,33
